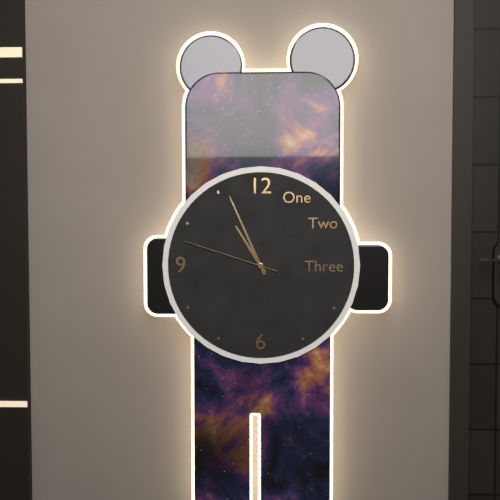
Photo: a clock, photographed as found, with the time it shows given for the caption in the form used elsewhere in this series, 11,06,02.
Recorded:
10,56,48
